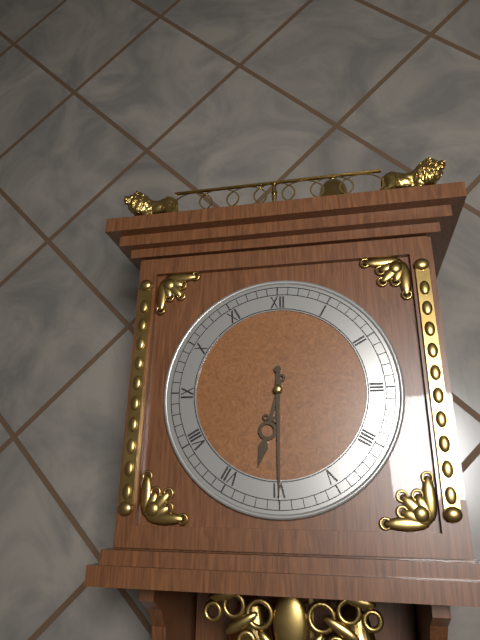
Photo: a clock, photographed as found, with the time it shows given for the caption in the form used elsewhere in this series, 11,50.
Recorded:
6,30
